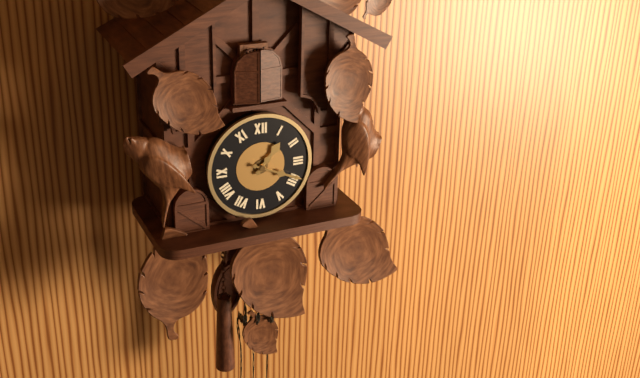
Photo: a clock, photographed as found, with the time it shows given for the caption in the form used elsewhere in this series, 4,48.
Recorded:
1,19
